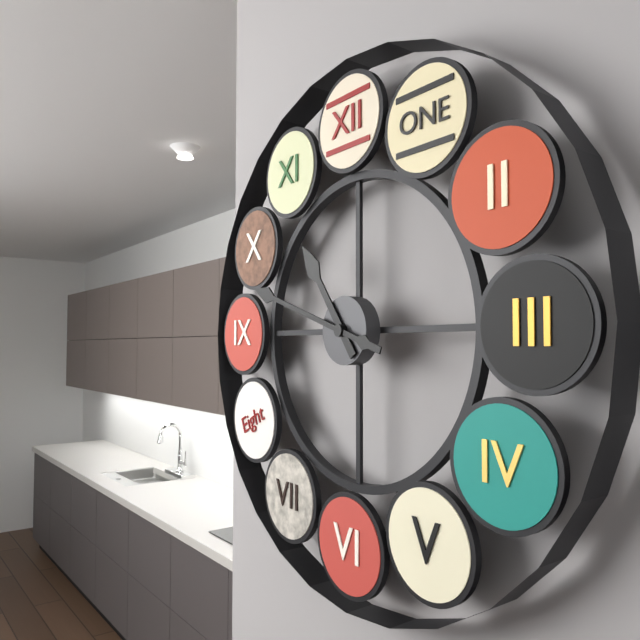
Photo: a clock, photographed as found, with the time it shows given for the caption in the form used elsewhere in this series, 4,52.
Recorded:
10,48
